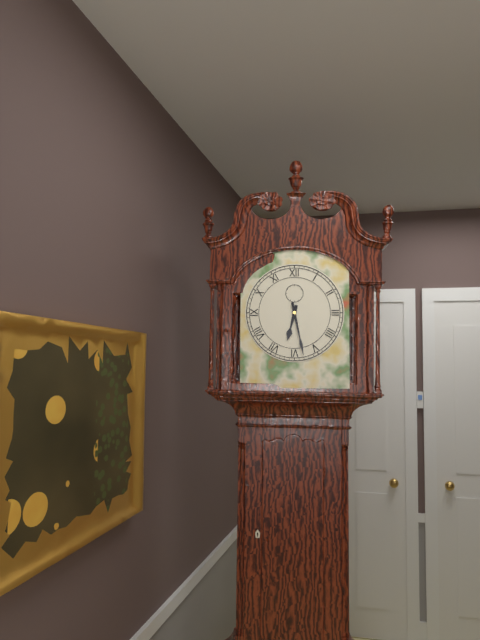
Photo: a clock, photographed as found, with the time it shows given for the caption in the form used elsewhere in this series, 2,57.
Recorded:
6,28
